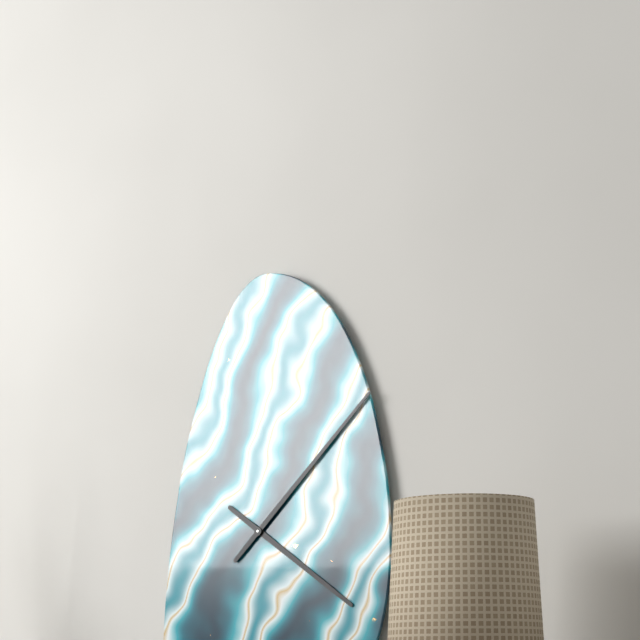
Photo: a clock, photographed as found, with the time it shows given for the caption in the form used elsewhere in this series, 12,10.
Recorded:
4,08
